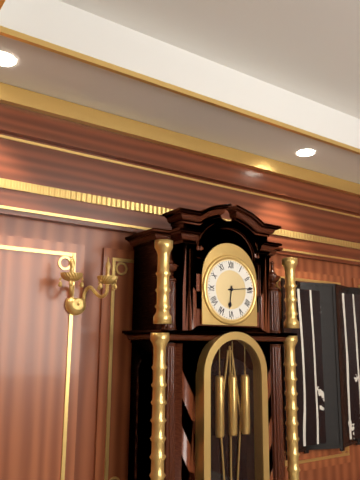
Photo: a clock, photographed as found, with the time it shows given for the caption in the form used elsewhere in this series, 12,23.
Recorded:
6,14
